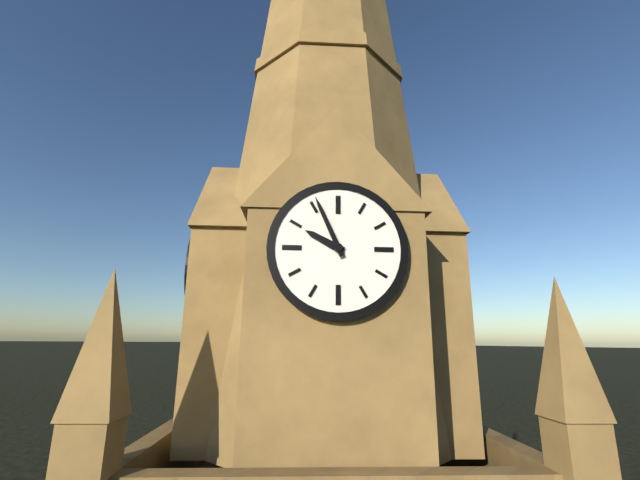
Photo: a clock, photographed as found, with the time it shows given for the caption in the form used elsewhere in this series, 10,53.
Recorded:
9,56
